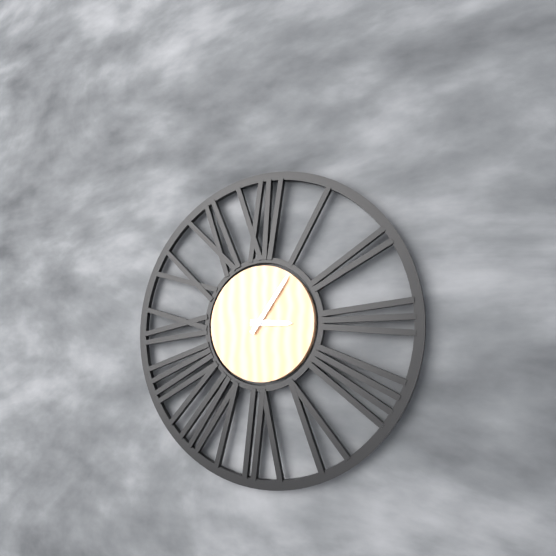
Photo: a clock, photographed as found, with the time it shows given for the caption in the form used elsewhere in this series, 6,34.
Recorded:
3,06
